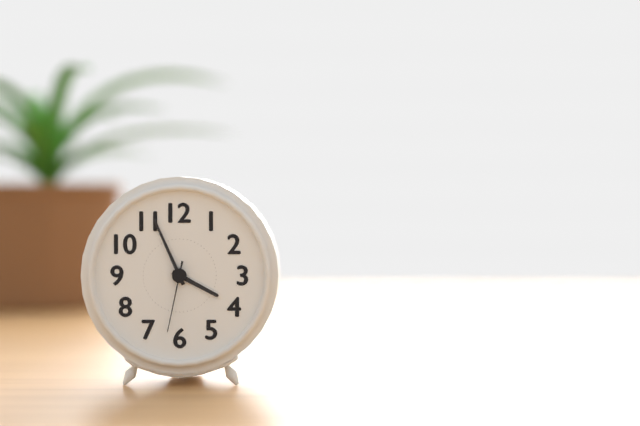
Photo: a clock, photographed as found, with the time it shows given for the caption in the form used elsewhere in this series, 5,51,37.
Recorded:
3,56,32
